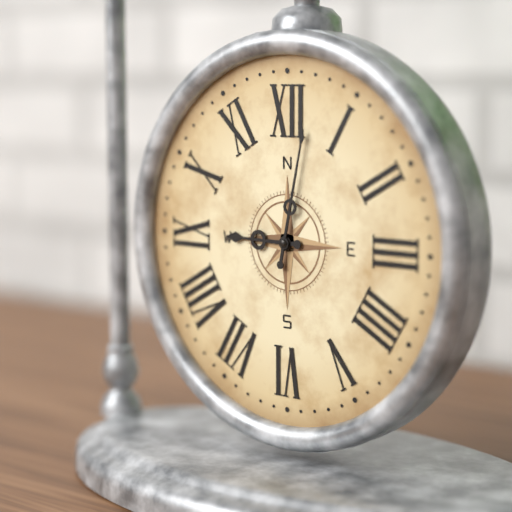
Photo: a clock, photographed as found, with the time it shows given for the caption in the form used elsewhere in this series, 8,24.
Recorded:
9,02
